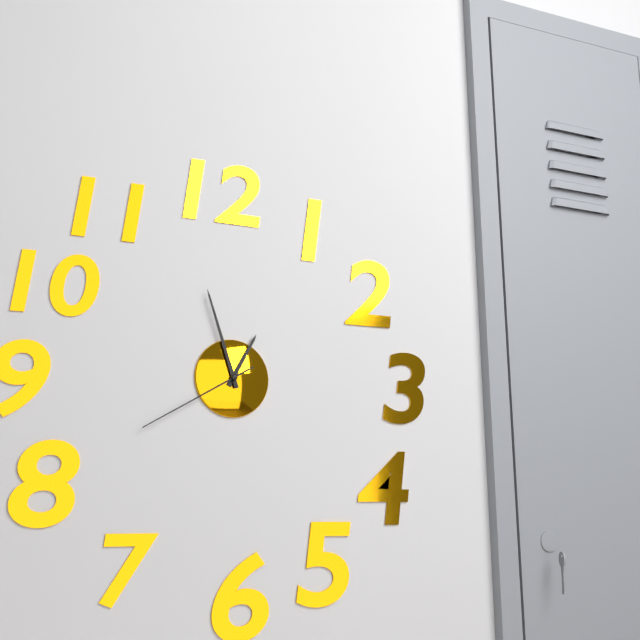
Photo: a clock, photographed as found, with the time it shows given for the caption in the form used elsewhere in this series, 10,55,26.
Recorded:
12,57,40
